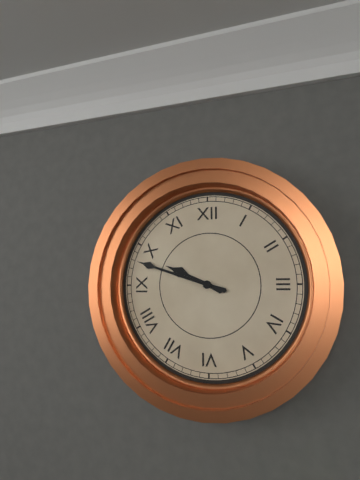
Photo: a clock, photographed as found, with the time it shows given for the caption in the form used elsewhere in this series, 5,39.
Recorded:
9,48
